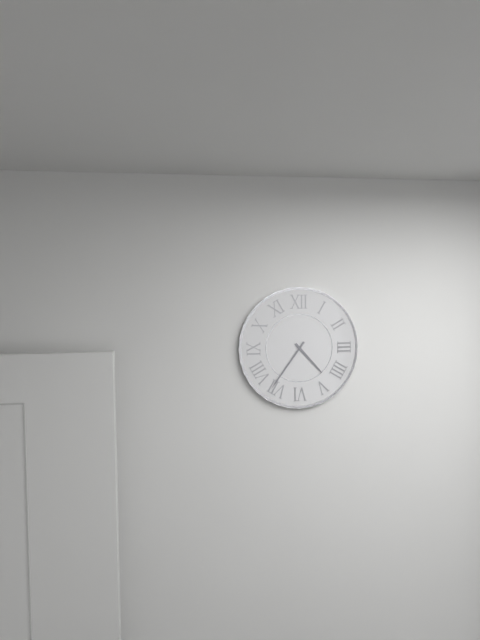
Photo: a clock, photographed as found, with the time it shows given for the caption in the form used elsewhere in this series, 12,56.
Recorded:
4,36
